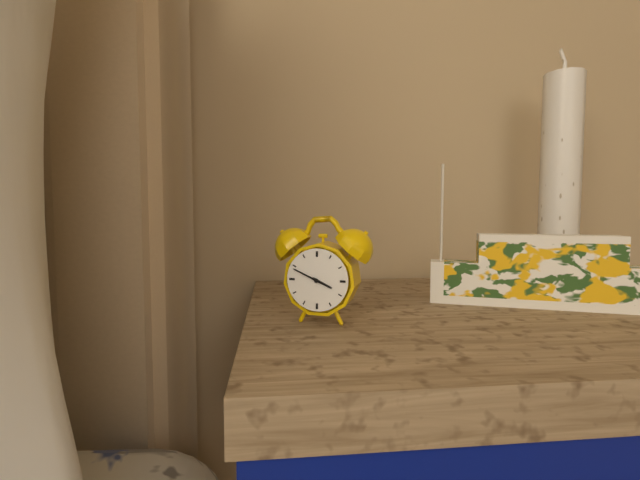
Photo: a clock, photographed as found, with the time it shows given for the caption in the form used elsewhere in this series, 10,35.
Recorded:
3,49
